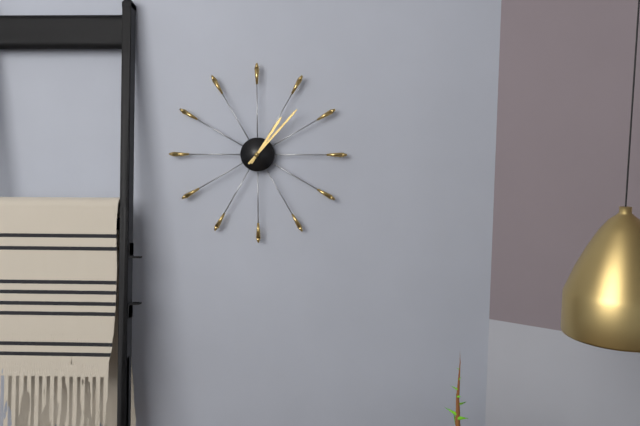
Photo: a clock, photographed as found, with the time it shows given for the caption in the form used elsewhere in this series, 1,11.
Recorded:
1,07
